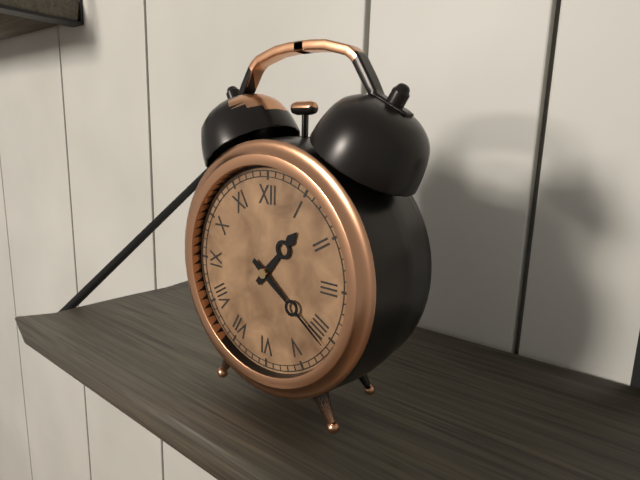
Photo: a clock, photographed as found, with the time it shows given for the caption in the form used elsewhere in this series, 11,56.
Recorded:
1,21
